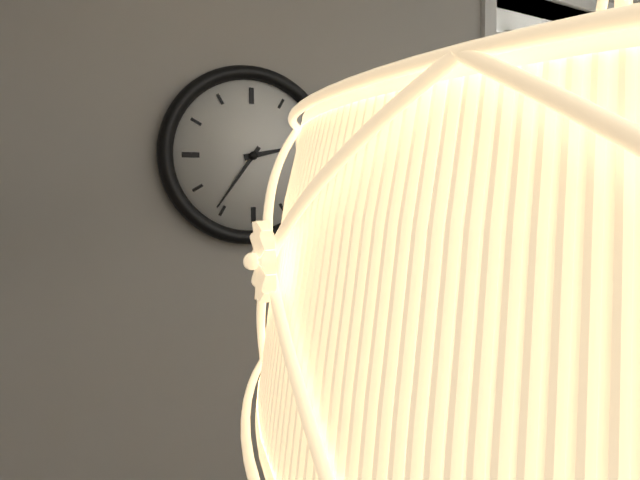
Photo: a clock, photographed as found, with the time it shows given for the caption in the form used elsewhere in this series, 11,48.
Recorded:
2,36
